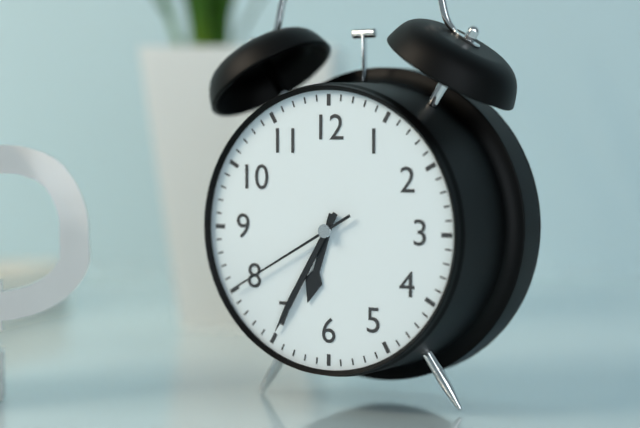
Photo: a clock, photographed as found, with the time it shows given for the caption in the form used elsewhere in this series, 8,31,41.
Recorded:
6,35,40
